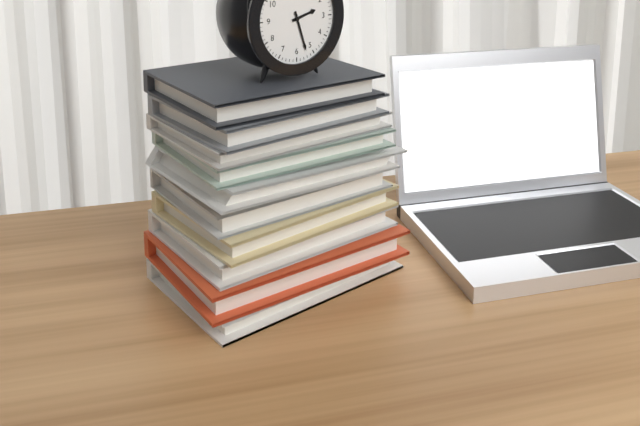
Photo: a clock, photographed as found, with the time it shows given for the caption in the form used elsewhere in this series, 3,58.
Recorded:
2,27
